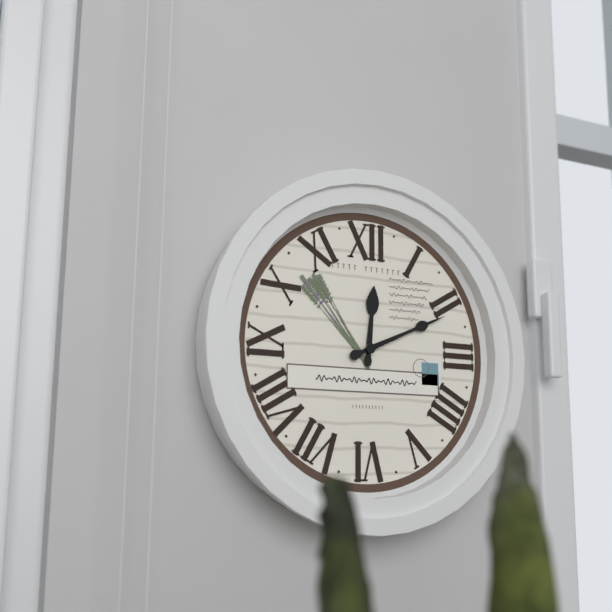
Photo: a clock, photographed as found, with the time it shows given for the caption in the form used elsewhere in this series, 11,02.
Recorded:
12,11
